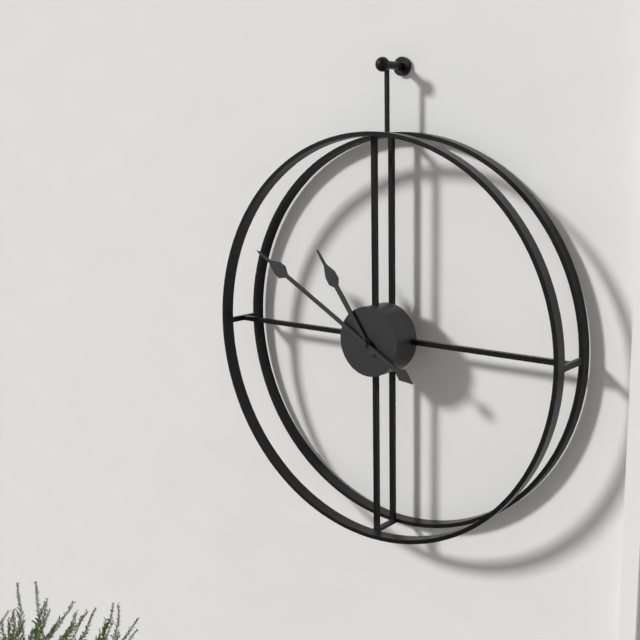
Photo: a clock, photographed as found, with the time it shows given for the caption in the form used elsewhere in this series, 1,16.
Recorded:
10,50
